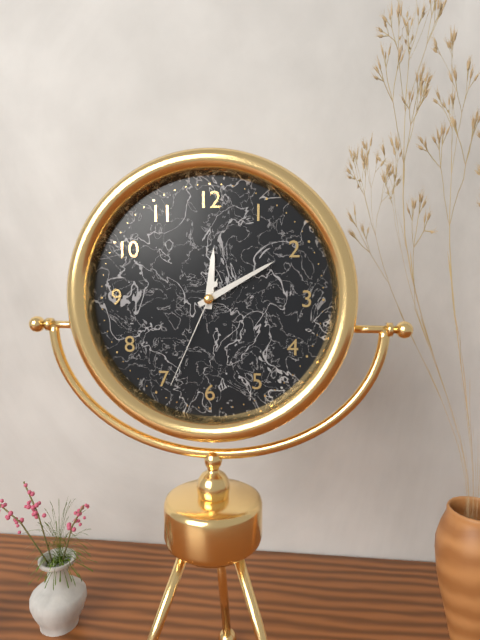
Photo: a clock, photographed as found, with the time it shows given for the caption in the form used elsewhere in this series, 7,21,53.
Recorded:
12,10,34
